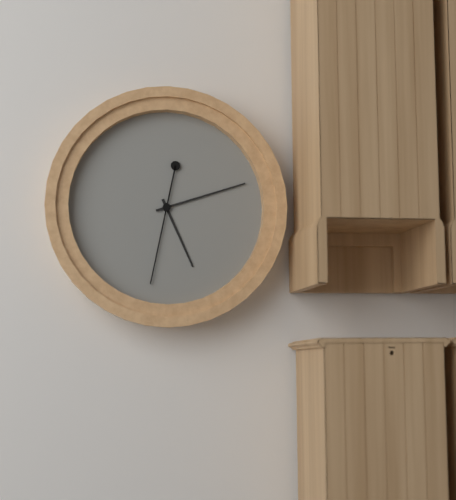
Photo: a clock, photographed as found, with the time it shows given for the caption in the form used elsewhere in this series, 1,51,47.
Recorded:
5,12,32
